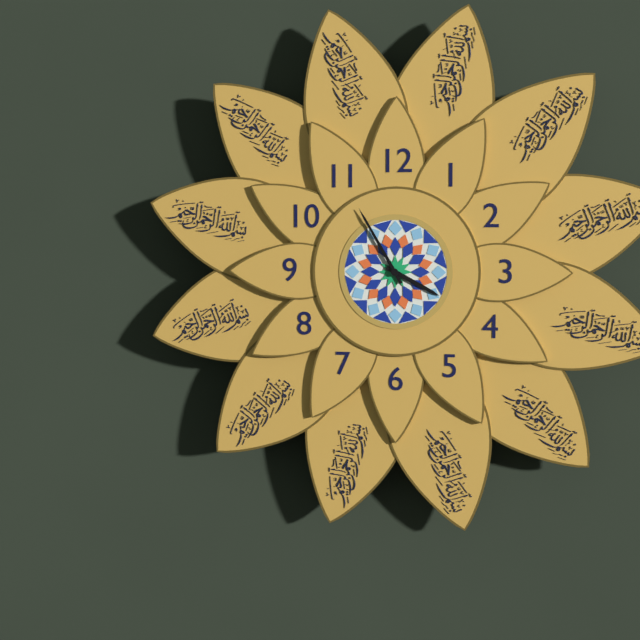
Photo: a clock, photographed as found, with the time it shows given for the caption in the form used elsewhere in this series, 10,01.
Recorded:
3,55
